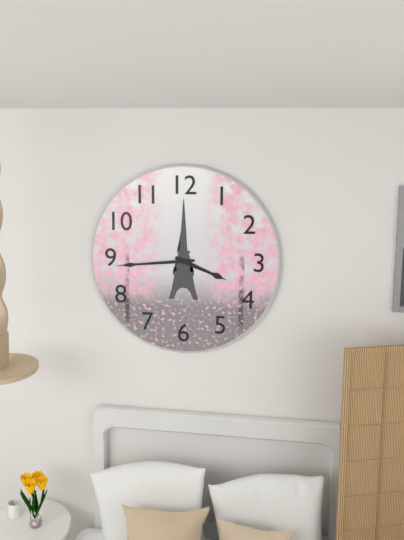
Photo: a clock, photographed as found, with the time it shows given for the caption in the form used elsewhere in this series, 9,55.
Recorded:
3,44
